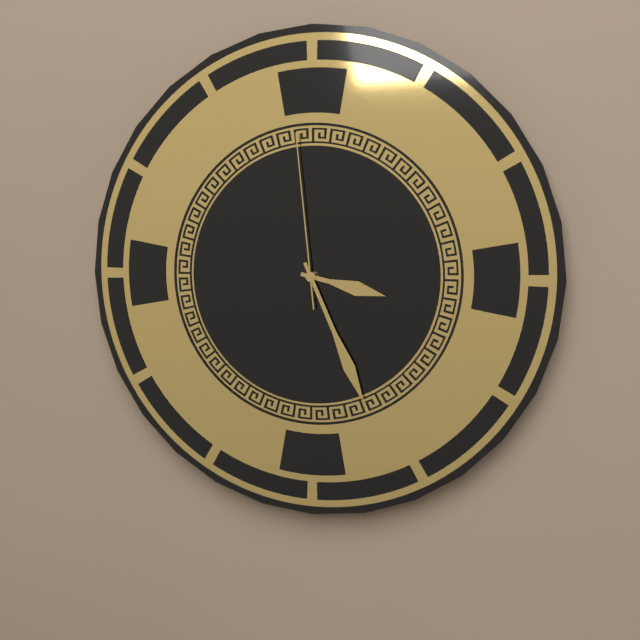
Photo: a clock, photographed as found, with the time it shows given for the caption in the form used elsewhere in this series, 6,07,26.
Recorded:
3,26,59
